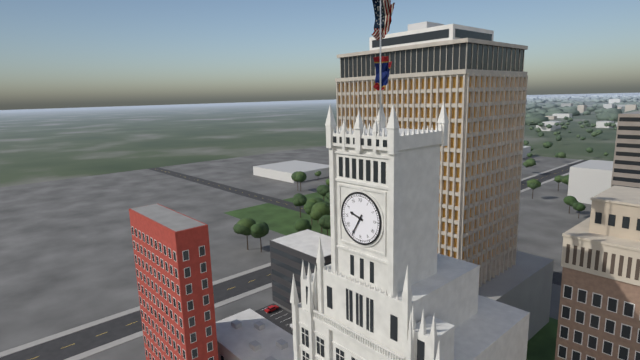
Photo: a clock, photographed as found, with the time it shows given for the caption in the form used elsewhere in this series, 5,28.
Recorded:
9,35
